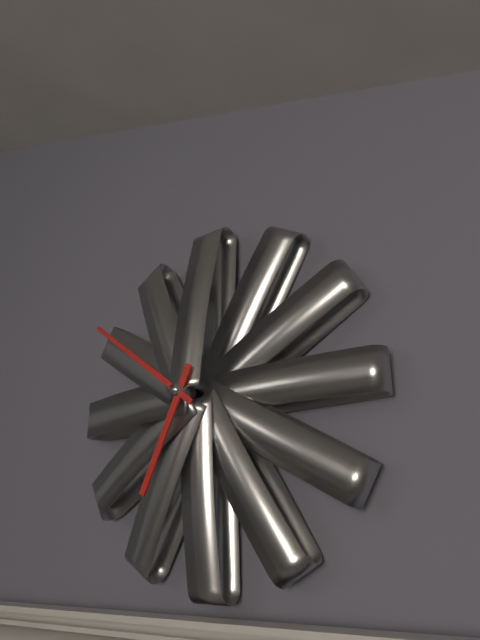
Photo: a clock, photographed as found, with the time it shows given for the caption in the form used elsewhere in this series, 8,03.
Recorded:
6,51
